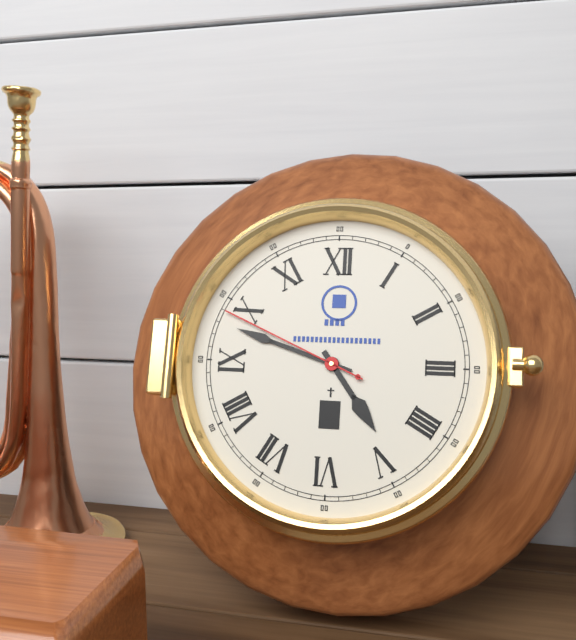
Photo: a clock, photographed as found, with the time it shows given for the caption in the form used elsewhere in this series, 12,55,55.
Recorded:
4,48,49
